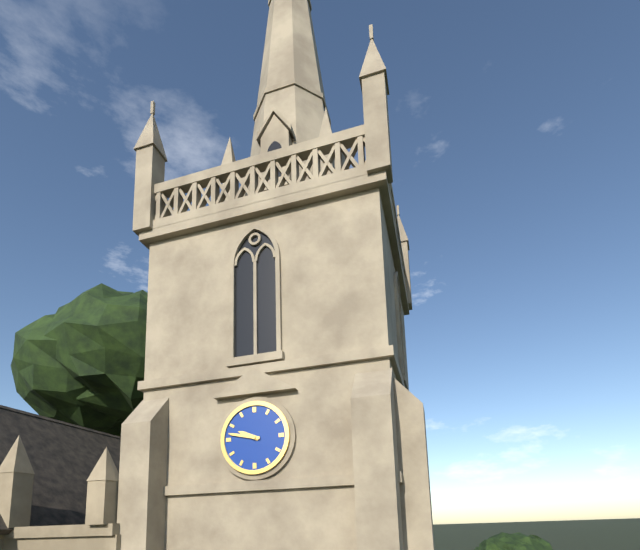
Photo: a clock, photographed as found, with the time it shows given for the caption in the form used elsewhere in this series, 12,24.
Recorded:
9,47
